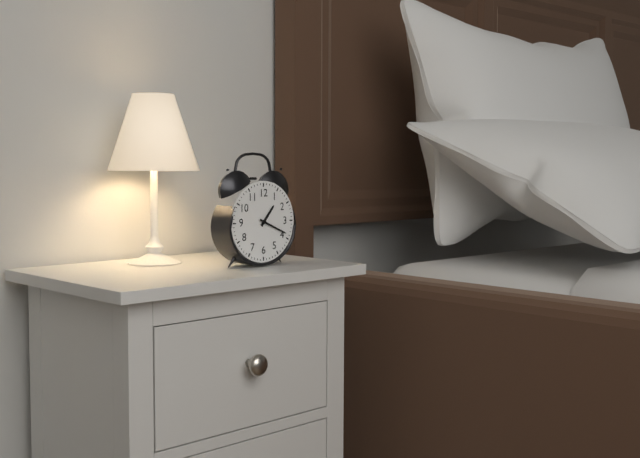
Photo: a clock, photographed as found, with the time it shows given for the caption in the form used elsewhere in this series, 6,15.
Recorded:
1,19
